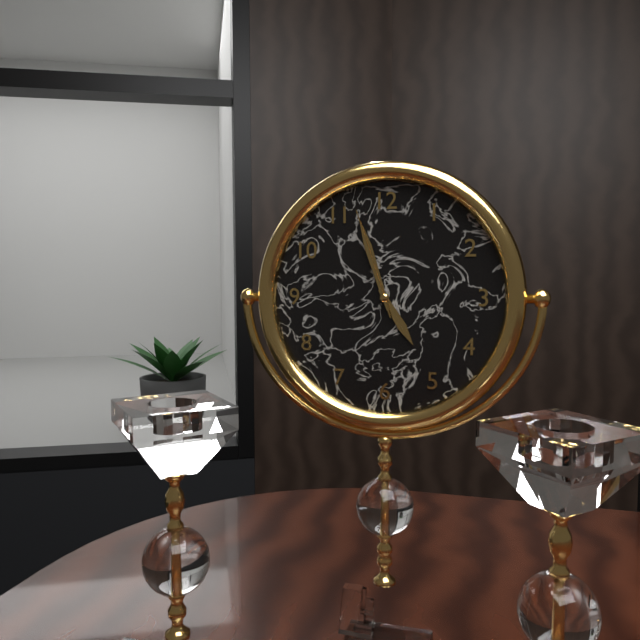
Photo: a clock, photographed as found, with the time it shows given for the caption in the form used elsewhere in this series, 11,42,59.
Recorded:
4,57,57
